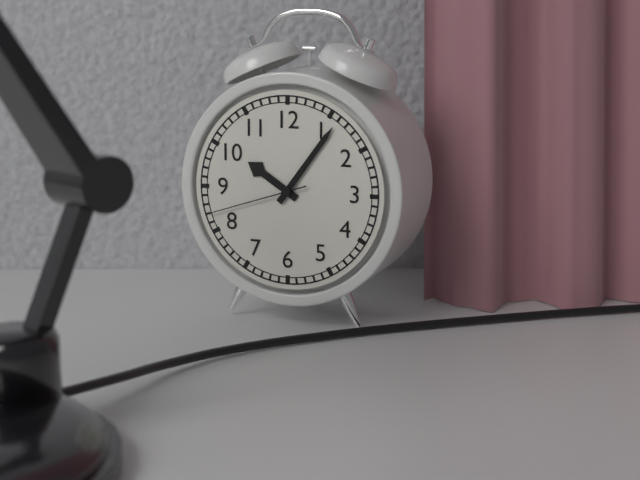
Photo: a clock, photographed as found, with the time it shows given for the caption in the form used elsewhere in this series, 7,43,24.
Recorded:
10,06,42
